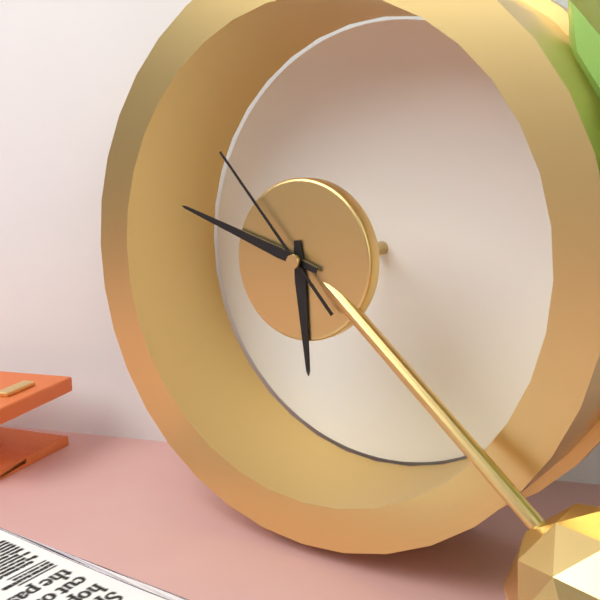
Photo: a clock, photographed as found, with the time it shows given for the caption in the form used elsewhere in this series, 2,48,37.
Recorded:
5,48,53
